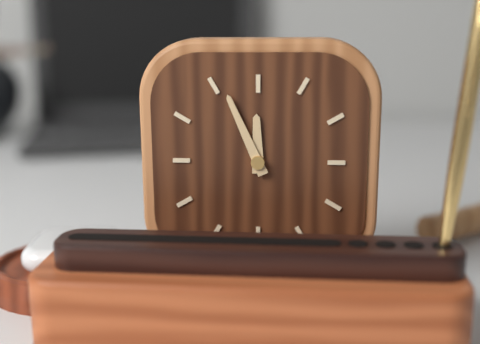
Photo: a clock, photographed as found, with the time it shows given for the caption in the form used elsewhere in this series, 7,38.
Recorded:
11,56
